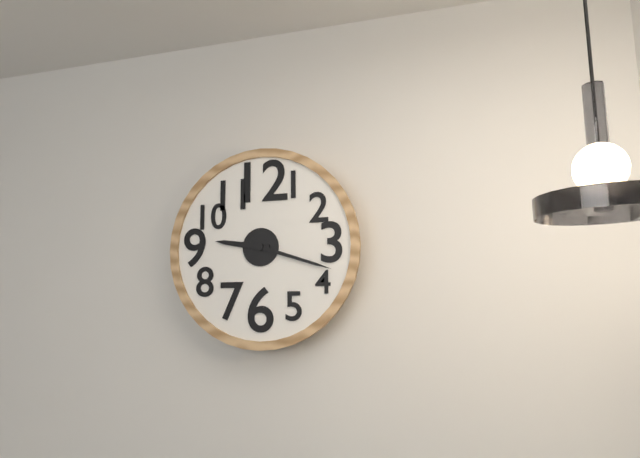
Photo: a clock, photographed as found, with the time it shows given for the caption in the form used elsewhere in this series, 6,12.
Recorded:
9,18
